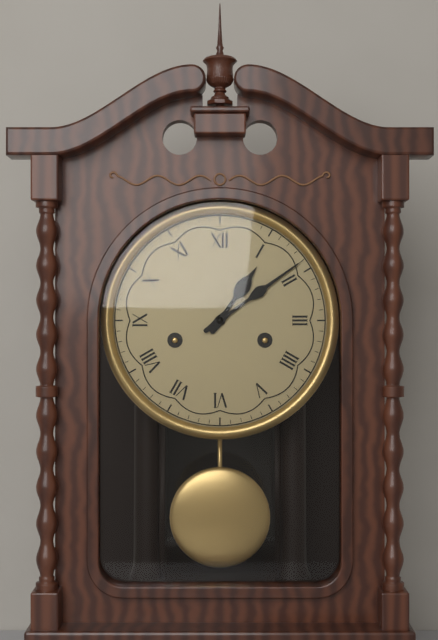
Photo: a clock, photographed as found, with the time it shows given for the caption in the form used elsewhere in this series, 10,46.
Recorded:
1,09
